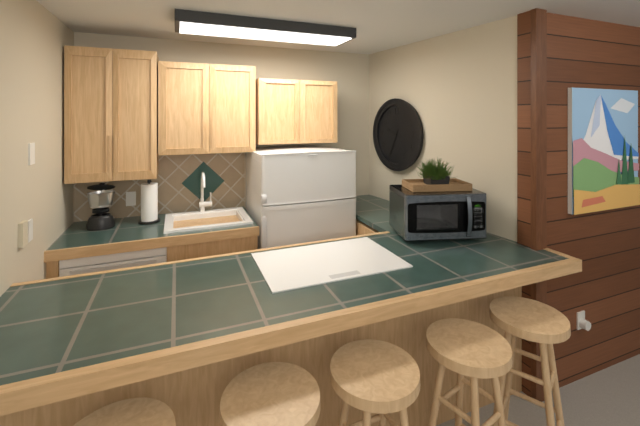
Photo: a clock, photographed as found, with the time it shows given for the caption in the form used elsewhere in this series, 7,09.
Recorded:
9,34
